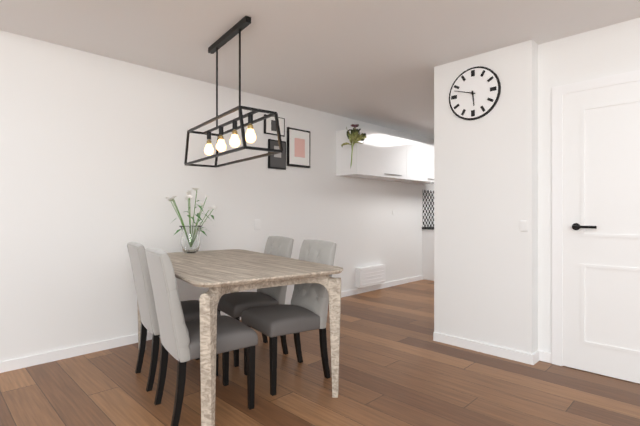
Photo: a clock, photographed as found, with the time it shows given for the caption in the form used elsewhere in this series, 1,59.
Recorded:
5,48
